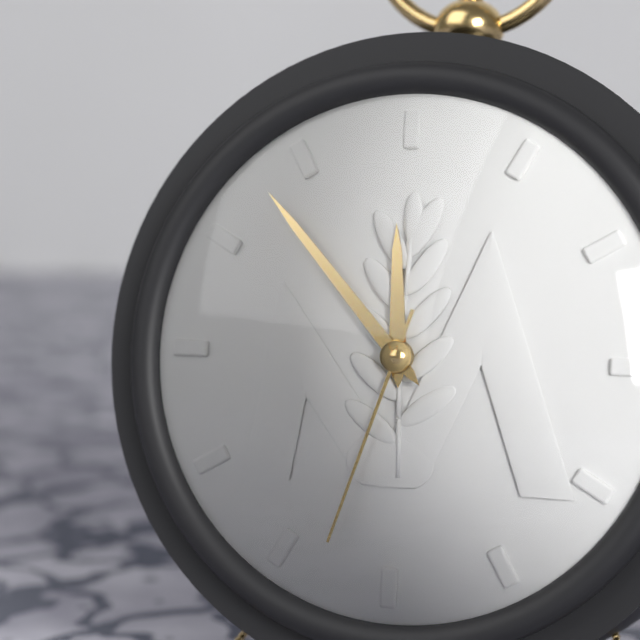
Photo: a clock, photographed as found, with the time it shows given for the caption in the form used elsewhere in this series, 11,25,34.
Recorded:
11,53,33
